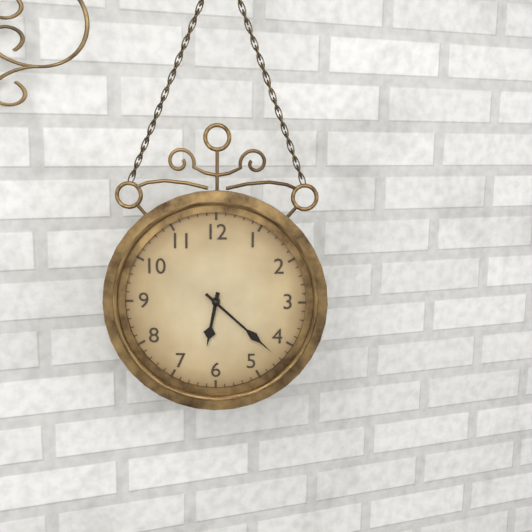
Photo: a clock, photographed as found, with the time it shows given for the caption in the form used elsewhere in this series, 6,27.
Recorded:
6,22
